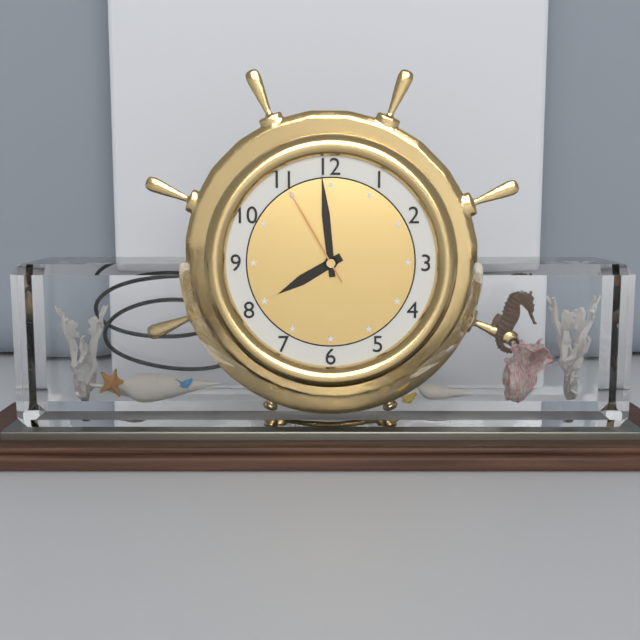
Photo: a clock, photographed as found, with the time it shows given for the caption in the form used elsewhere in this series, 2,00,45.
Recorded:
7,59,55
